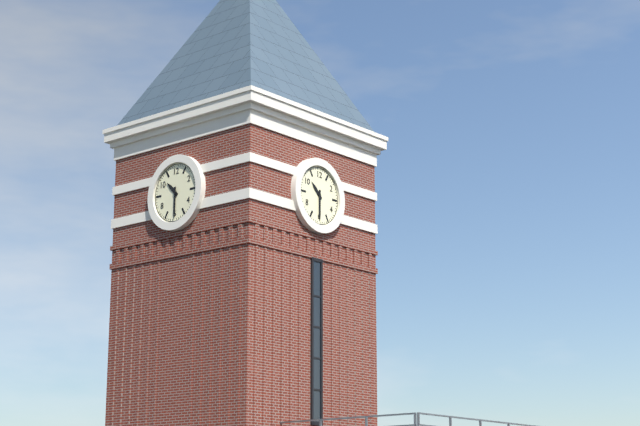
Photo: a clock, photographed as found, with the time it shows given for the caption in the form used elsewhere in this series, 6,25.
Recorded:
10,30
